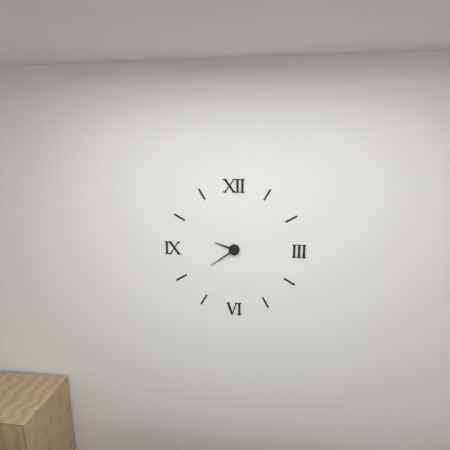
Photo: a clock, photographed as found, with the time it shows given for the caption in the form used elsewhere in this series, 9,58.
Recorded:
9,39
